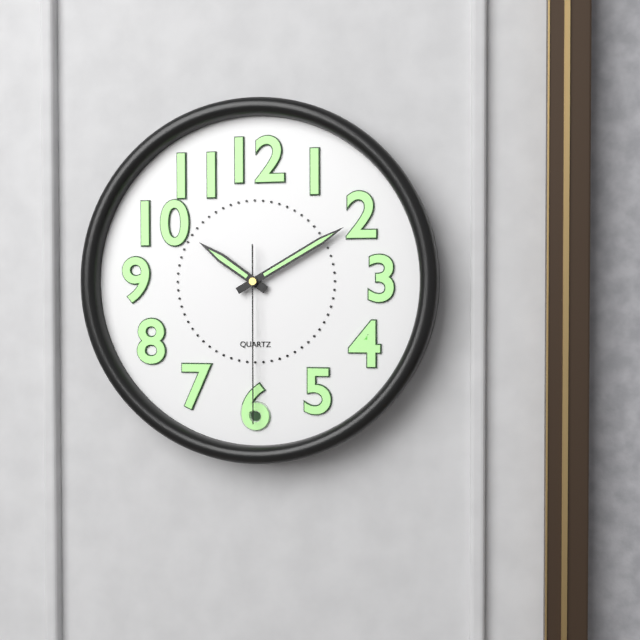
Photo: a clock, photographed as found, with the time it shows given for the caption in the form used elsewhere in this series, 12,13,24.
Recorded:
10,10,30
